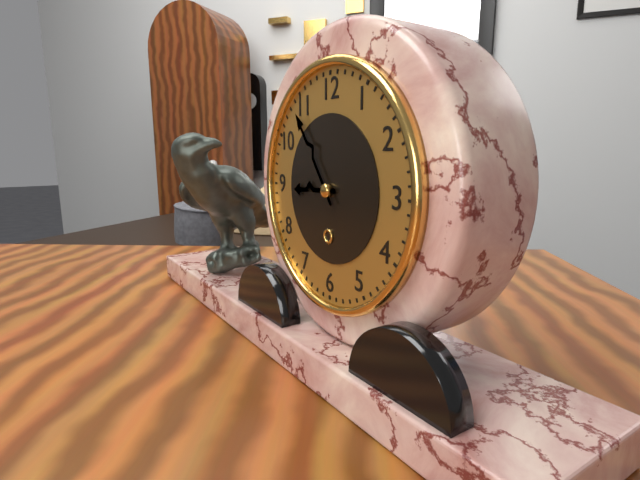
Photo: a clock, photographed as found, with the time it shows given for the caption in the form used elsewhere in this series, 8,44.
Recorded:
8,54
